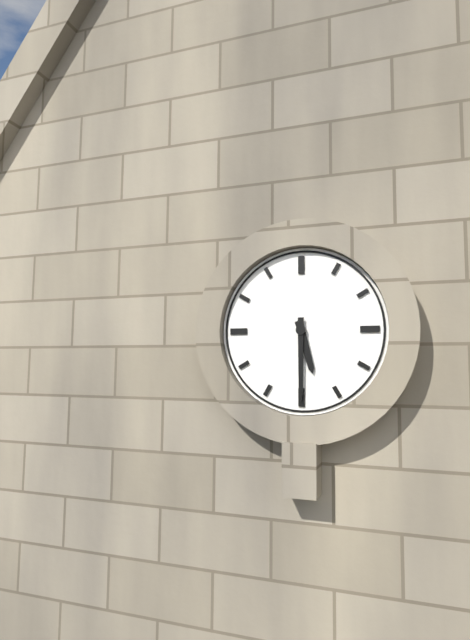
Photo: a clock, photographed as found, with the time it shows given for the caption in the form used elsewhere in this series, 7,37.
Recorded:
5,30
